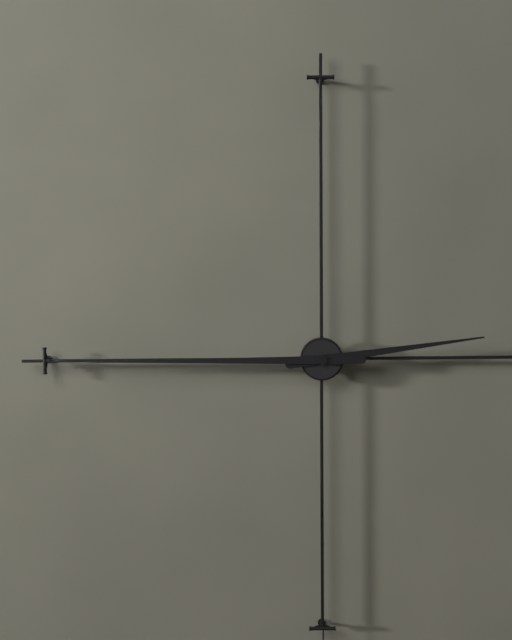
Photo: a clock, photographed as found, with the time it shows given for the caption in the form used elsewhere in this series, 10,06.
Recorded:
2,45
